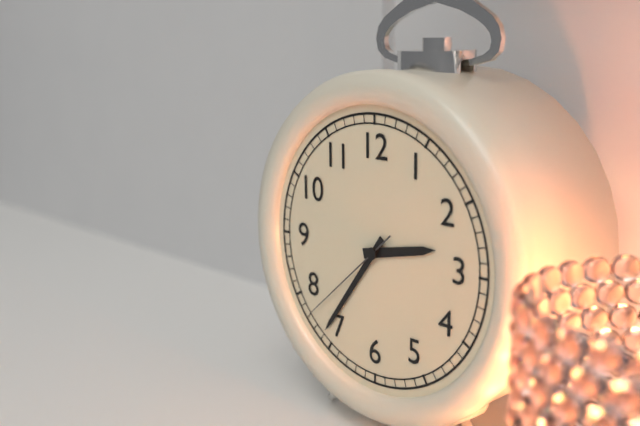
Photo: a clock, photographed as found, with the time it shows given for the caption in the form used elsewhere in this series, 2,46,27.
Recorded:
2,36,38
